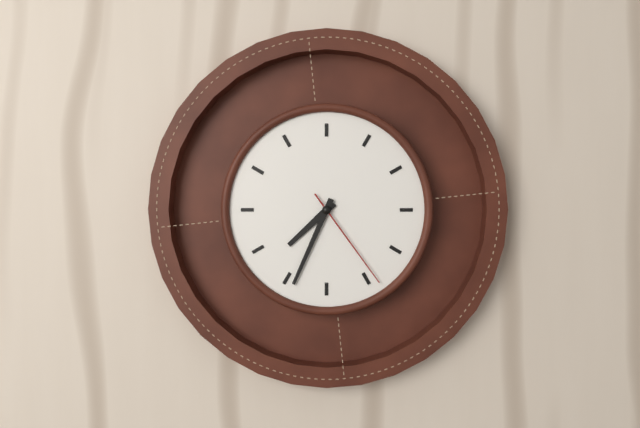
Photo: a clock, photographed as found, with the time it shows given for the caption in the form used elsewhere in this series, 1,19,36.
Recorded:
7,34,24
